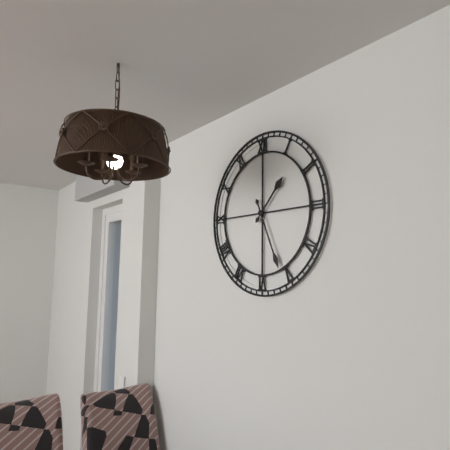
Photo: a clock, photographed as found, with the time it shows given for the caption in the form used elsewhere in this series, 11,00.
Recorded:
1,26
